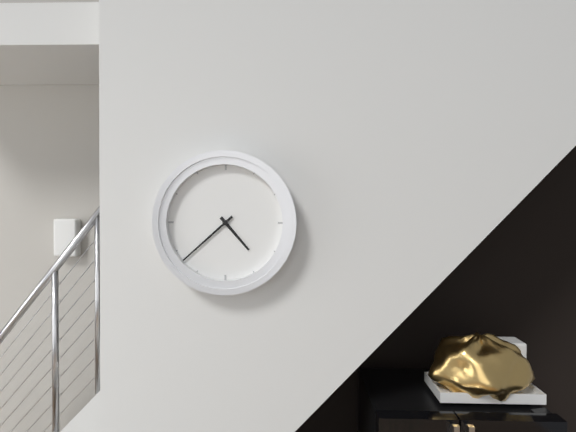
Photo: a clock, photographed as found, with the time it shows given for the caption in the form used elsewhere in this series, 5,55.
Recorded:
4,38
